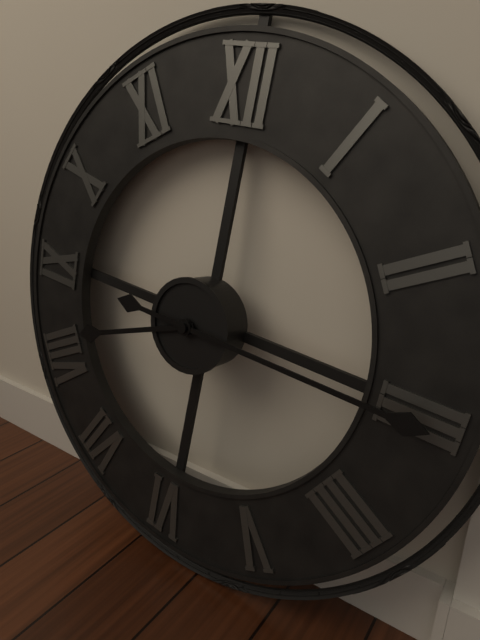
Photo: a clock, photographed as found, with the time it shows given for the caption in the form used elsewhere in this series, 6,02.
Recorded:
8,15
